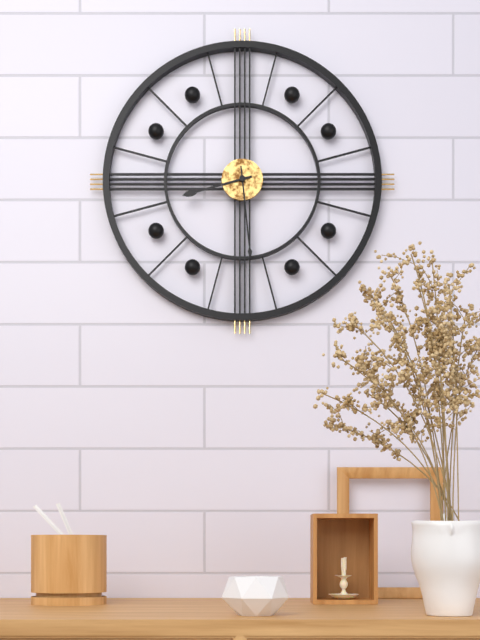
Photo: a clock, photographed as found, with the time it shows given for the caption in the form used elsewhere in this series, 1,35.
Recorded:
8,29
